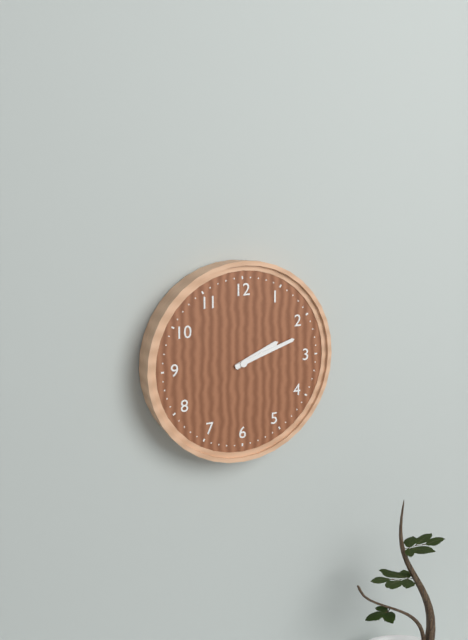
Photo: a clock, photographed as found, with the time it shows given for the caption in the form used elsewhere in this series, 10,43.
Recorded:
2,12
